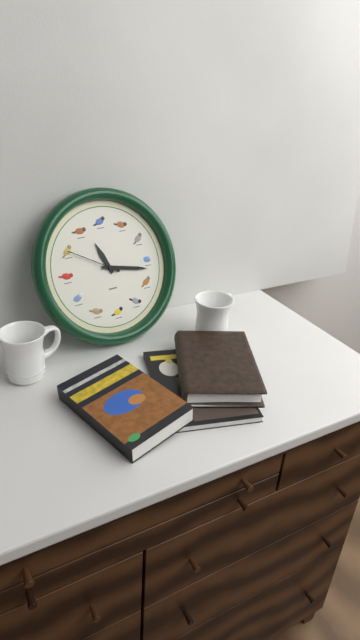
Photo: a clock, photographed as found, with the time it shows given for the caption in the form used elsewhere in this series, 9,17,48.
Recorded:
11,17,50
